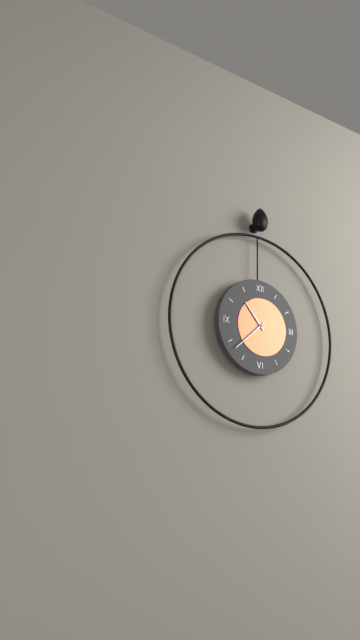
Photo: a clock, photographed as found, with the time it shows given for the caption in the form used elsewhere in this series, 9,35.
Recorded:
10,38
